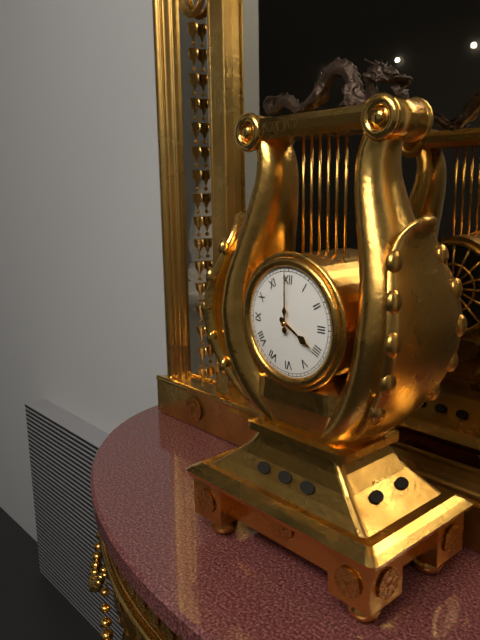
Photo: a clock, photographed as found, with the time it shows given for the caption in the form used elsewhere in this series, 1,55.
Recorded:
4,00
